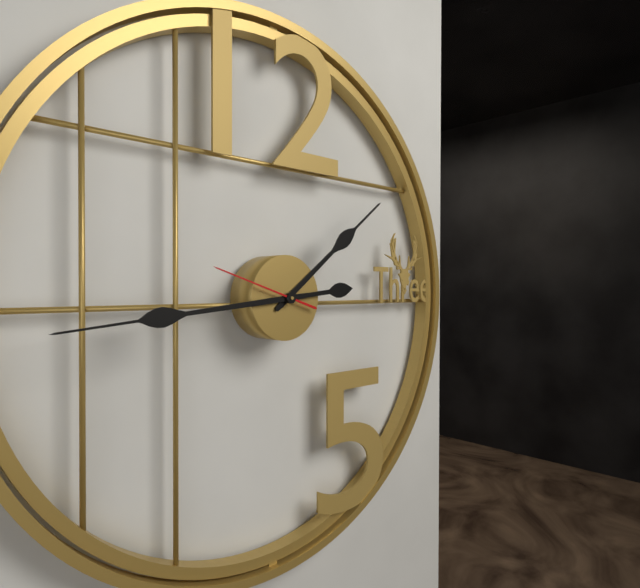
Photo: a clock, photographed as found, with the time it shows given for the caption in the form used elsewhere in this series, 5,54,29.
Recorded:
1,44,48
